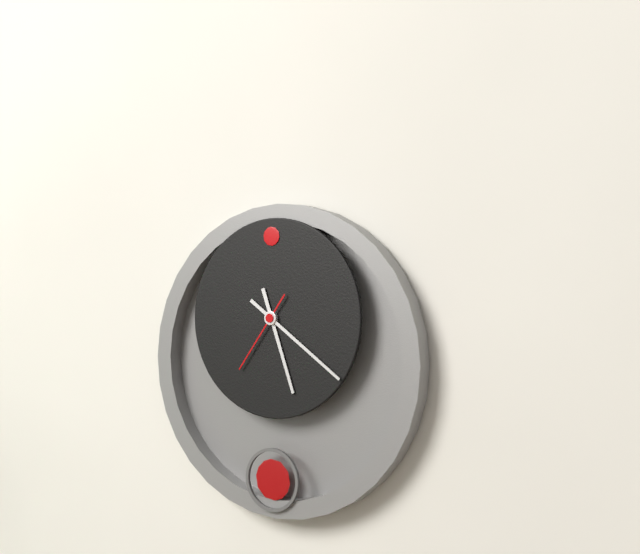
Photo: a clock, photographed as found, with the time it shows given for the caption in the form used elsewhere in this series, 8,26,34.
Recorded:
5,21,36
